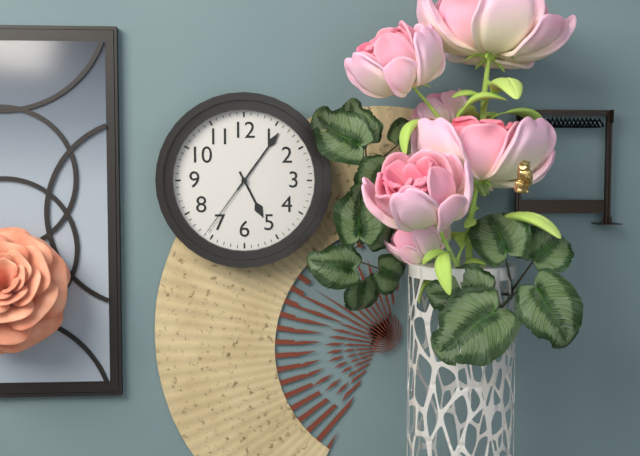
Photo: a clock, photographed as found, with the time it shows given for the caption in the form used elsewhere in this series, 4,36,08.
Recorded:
5,06,36
